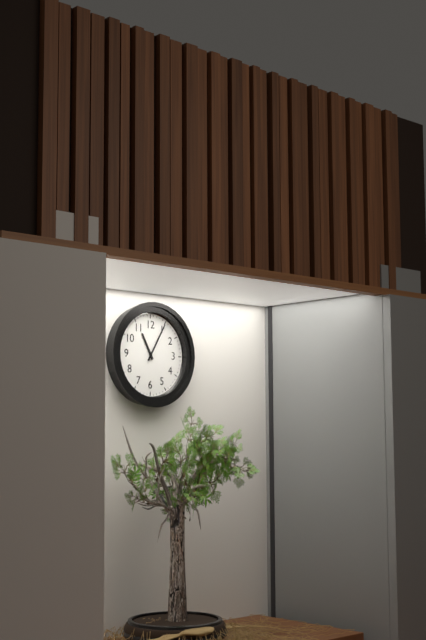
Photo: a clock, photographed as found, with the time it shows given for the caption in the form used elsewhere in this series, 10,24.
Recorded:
11,05
